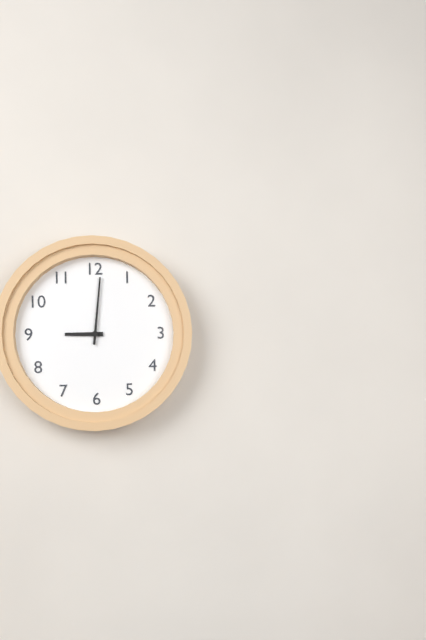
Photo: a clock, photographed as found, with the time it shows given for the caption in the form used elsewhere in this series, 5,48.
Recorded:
9,01
